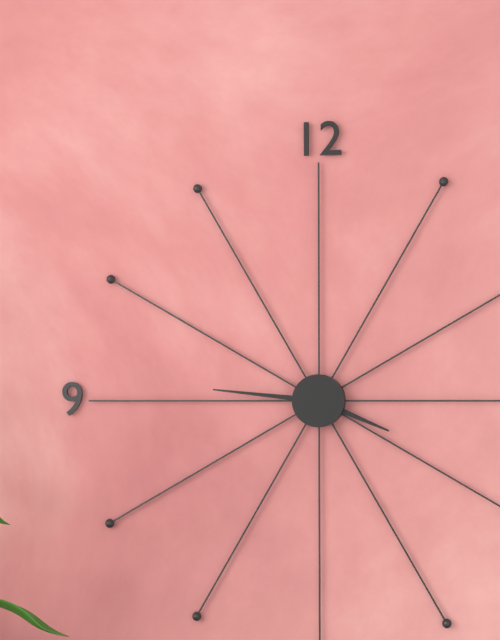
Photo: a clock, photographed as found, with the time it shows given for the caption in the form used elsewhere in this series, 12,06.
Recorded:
3,46
